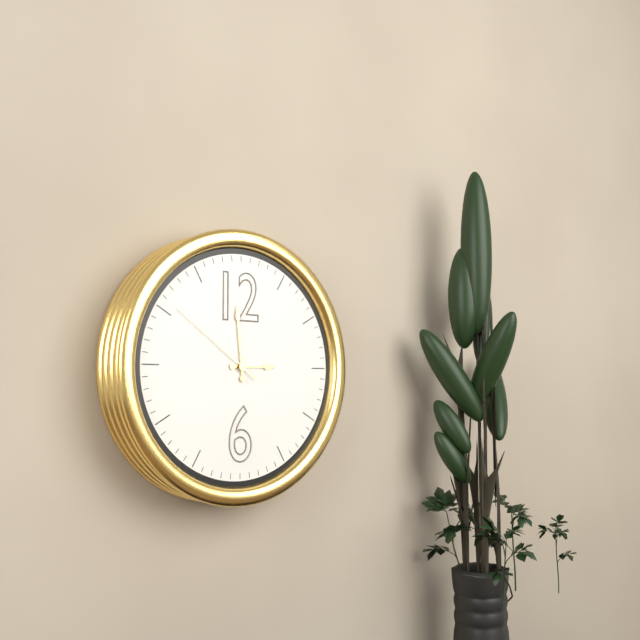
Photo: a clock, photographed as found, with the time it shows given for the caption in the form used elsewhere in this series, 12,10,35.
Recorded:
2,59,51
